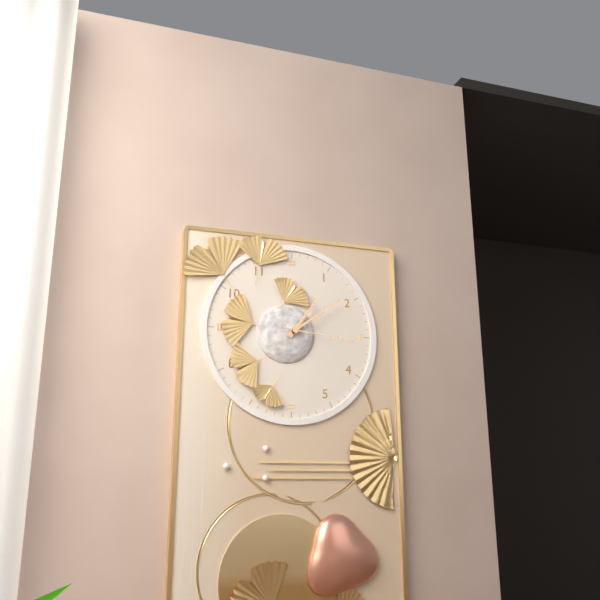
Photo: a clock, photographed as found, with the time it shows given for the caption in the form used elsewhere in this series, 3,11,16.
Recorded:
1,09,16
